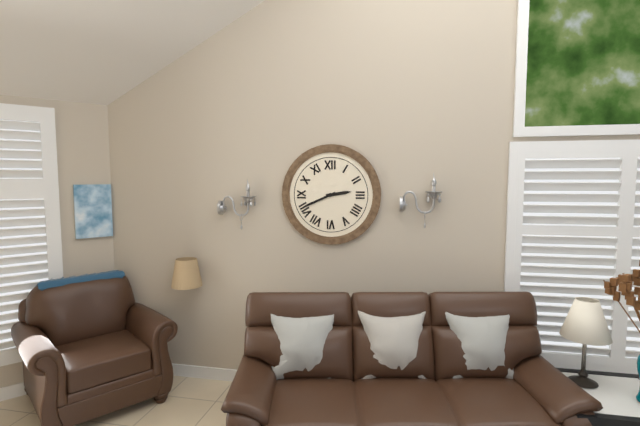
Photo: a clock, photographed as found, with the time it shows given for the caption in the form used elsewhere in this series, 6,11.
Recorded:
2,41
